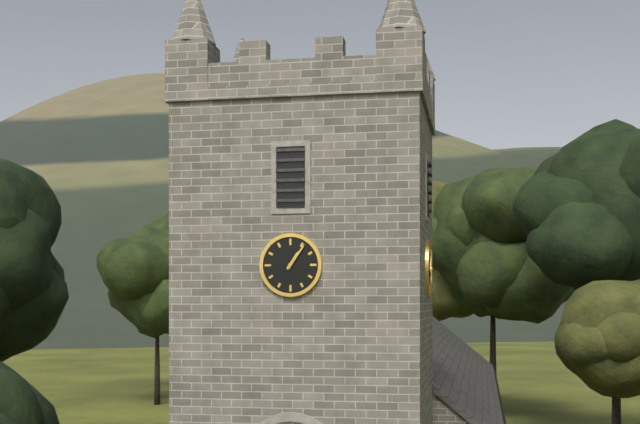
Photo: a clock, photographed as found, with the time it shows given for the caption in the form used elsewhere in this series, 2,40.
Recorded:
1,06
